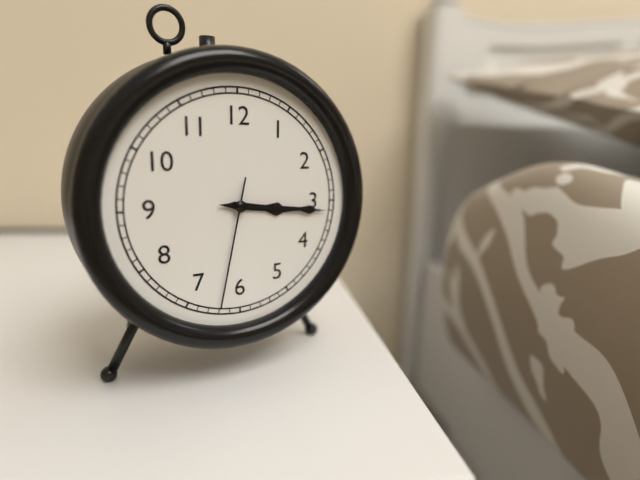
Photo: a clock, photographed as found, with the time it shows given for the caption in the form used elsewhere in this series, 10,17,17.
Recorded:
3,16,32
